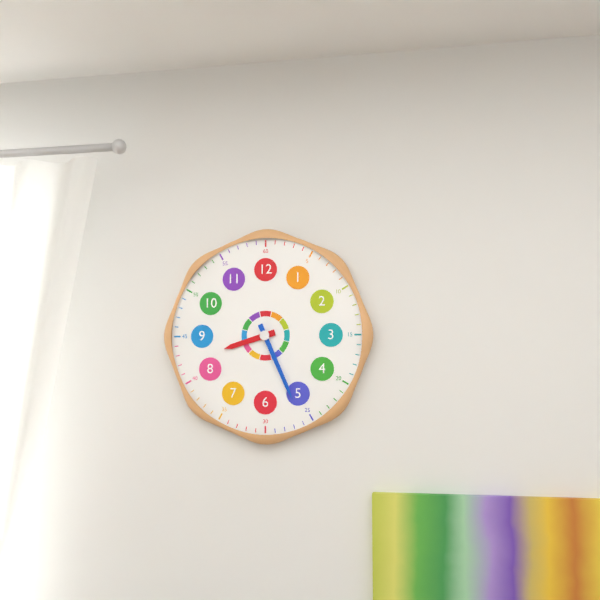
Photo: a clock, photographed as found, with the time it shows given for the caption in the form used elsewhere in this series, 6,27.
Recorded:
8,26
